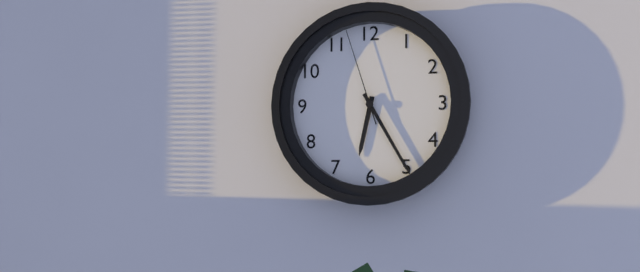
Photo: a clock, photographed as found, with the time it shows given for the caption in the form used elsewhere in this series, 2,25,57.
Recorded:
6,25,57
